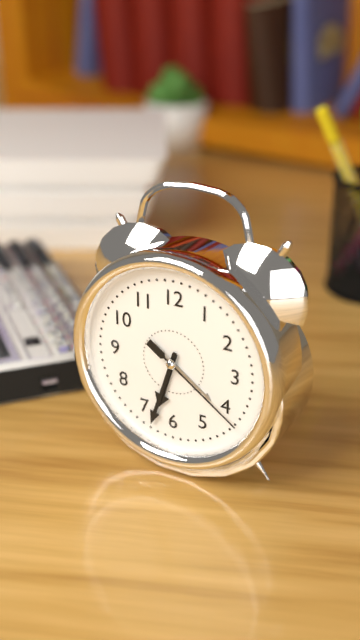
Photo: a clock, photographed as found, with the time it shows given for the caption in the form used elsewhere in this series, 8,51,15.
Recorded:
6,33,21
